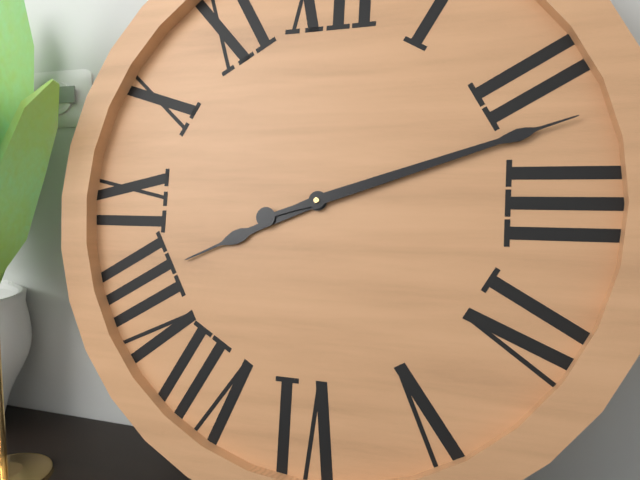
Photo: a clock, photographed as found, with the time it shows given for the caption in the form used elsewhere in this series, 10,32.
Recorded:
8,12
